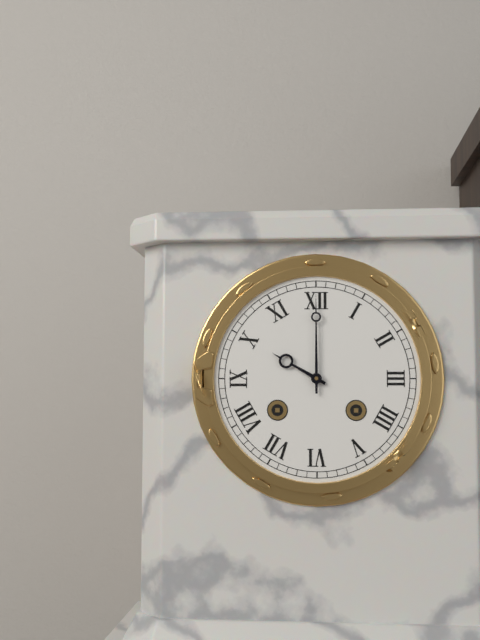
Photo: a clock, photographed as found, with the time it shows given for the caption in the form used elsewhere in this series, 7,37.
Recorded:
10,00
